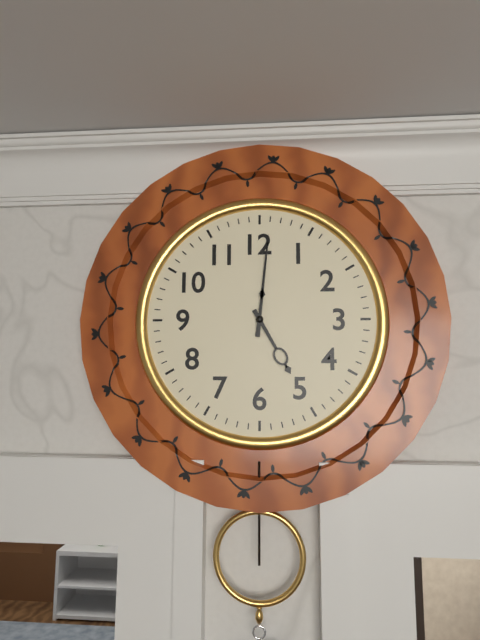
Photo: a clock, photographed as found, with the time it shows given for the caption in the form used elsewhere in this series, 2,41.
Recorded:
5,01
